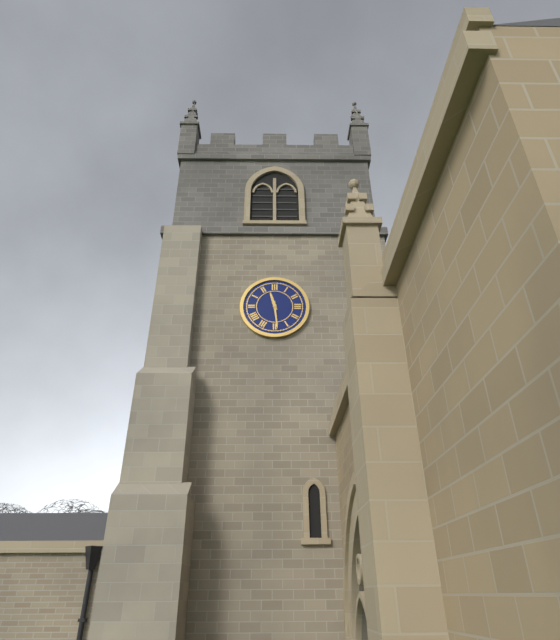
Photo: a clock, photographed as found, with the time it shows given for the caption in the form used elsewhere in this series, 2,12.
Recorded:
11,29
